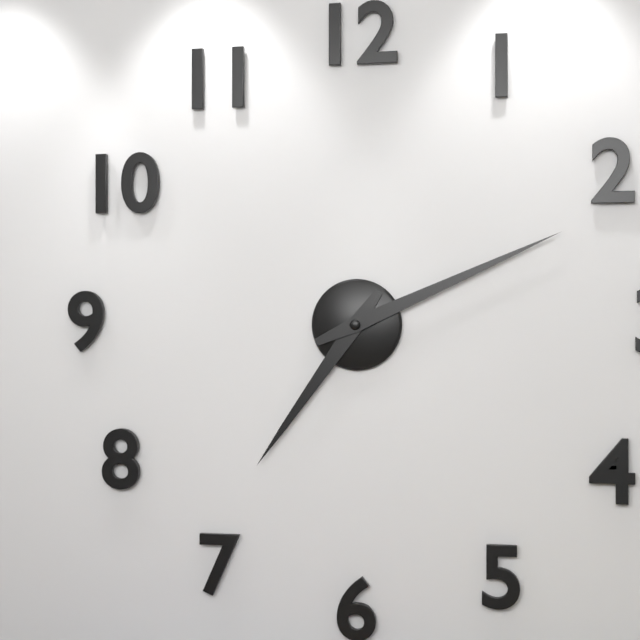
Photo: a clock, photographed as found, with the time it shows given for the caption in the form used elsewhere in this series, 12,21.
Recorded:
7,11
